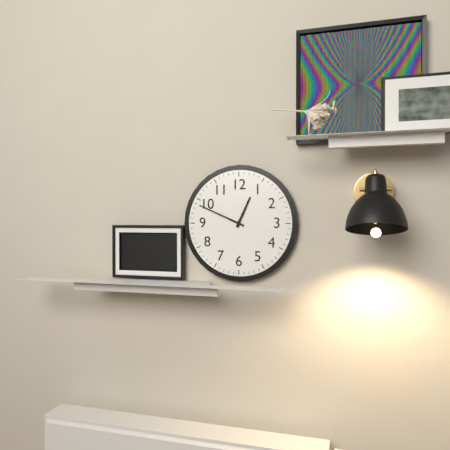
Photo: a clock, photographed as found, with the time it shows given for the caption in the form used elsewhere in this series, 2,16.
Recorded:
12,49
